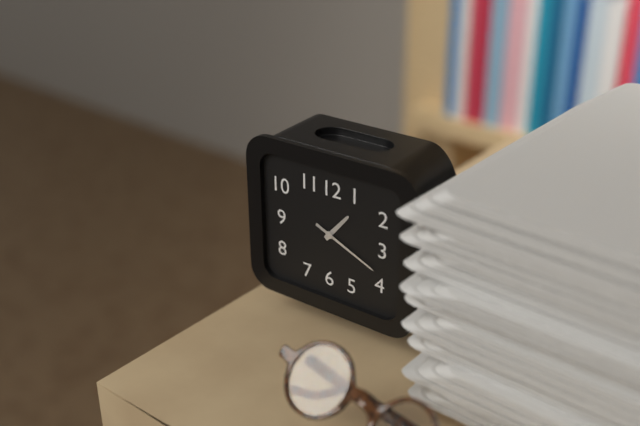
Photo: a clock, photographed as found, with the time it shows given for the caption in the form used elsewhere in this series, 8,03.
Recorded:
1,19
